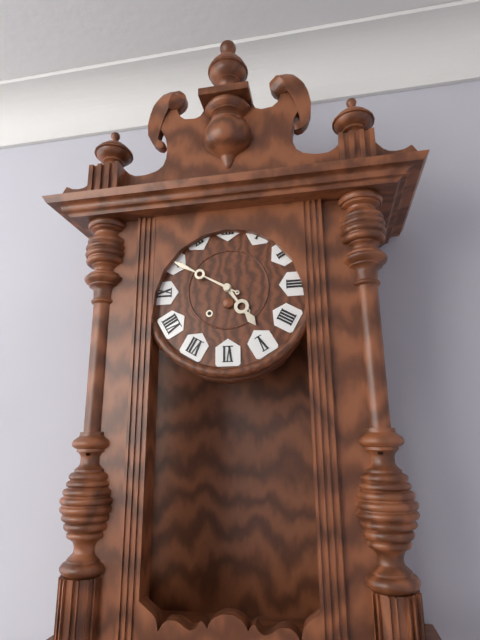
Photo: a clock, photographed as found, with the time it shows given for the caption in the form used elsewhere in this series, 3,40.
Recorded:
4,50
